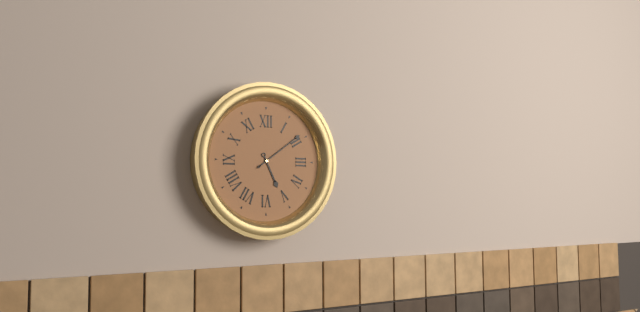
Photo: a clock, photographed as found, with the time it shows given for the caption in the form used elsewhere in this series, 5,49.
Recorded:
5,09
